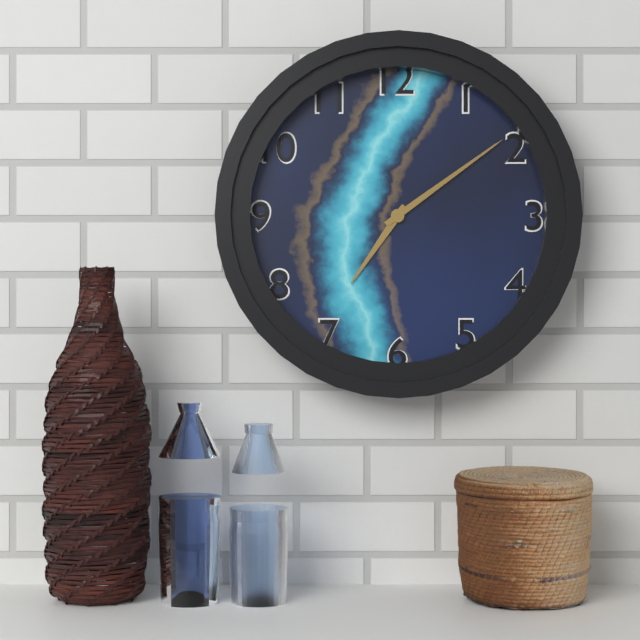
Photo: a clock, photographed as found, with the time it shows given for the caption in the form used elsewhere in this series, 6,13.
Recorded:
7,09
